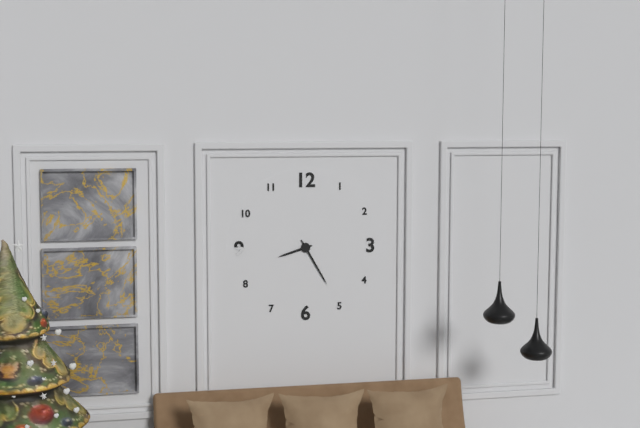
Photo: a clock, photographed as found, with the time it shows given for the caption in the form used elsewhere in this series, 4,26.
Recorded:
8,25
